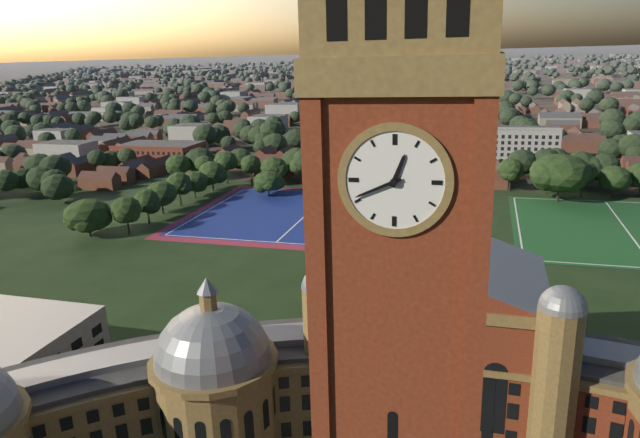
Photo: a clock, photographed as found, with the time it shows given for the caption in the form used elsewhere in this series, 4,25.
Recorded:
12,41
